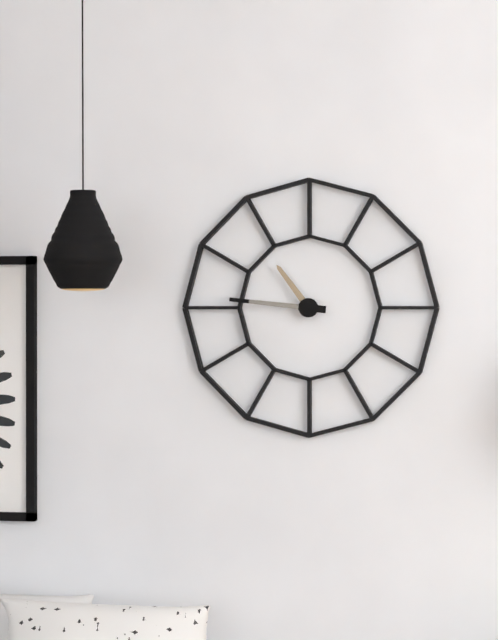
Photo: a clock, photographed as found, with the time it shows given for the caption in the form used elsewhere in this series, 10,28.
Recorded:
10,46
